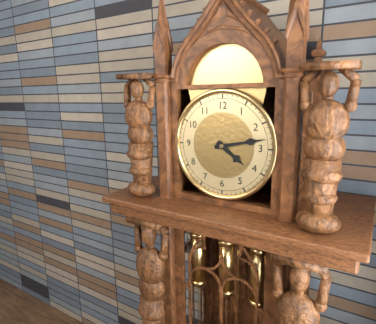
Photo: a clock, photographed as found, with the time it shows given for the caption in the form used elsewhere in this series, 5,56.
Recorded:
4,13
